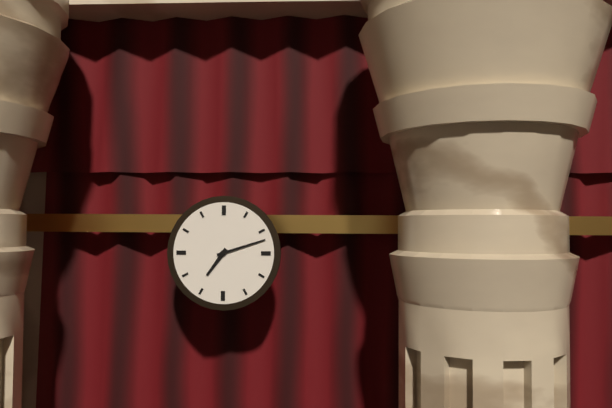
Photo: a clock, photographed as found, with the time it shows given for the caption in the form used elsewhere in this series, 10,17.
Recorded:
7,12
